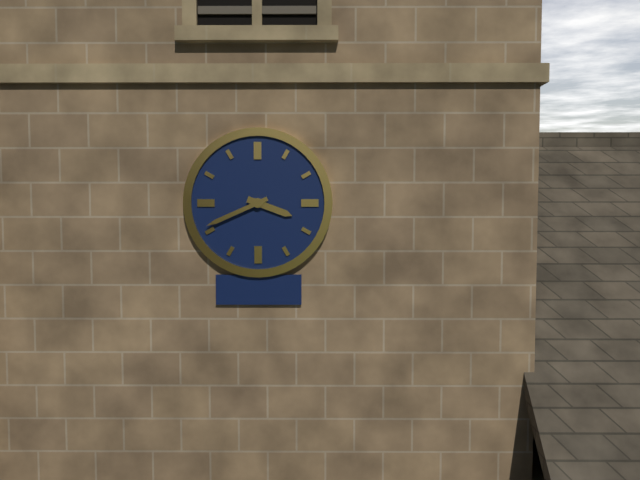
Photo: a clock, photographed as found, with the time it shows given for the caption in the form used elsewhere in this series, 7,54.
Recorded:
3,41
